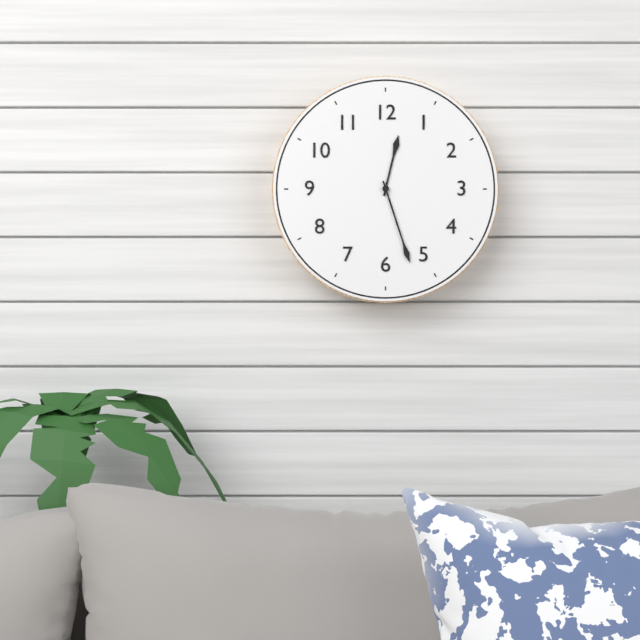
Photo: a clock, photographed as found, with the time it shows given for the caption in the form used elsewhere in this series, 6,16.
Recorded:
12,27
